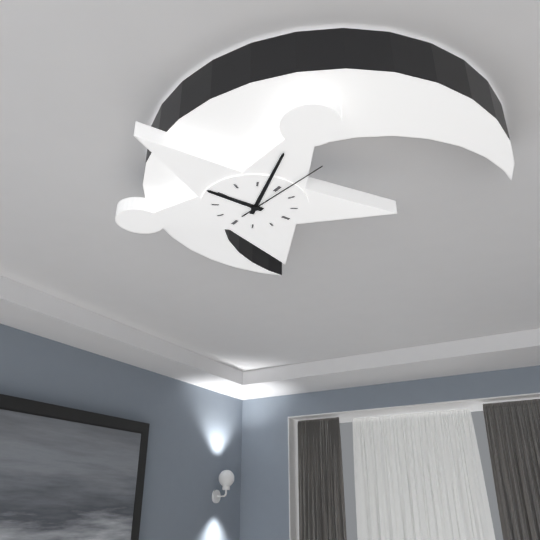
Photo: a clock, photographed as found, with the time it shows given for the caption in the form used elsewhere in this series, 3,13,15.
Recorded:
8,57,01
